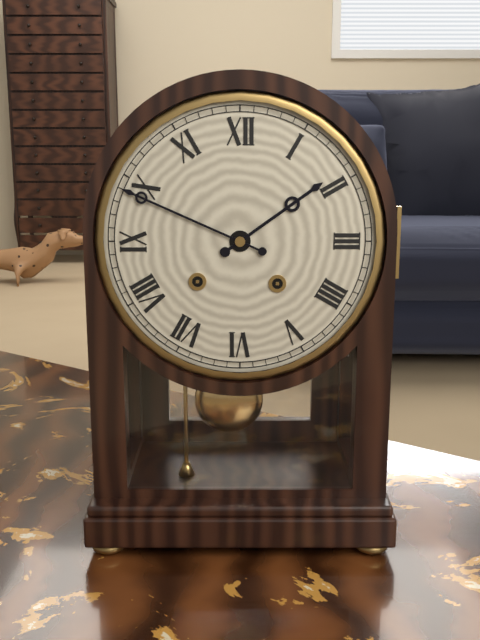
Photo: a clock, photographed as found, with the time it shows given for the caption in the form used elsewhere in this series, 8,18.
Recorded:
1,49
